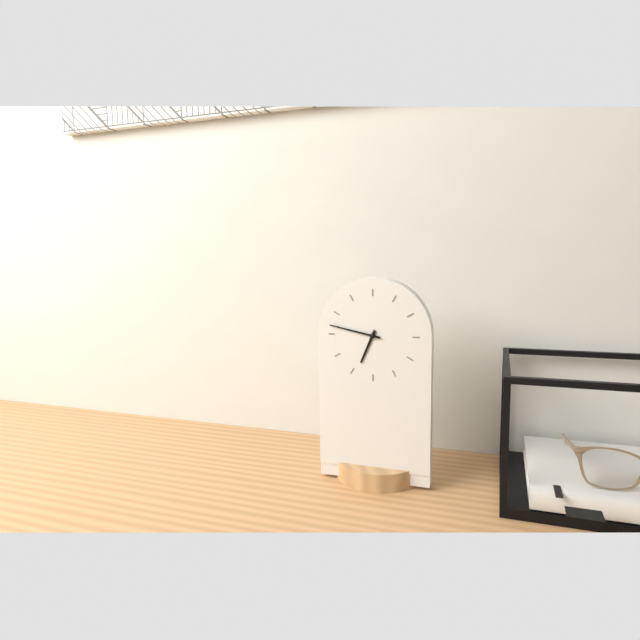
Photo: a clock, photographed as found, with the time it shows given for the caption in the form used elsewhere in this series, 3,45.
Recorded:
6,47
